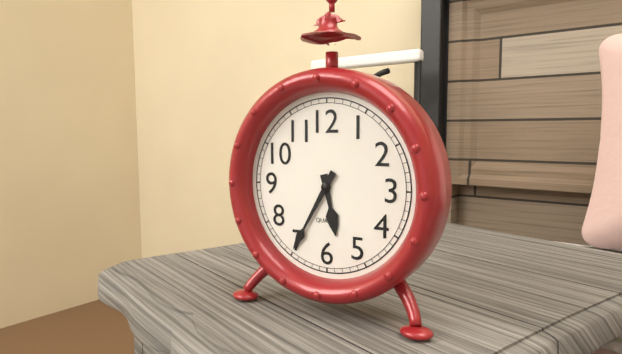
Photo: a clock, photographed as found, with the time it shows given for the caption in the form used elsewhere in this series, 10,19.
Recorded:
5,35
